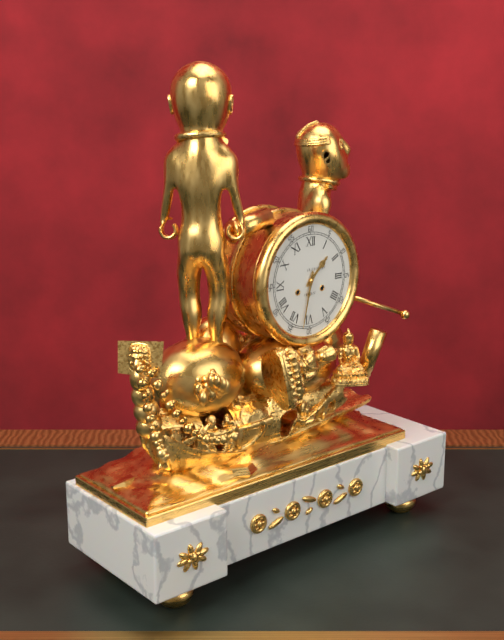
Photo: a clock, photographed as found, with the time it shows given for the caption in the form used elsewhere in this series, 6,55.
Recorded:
1,32
